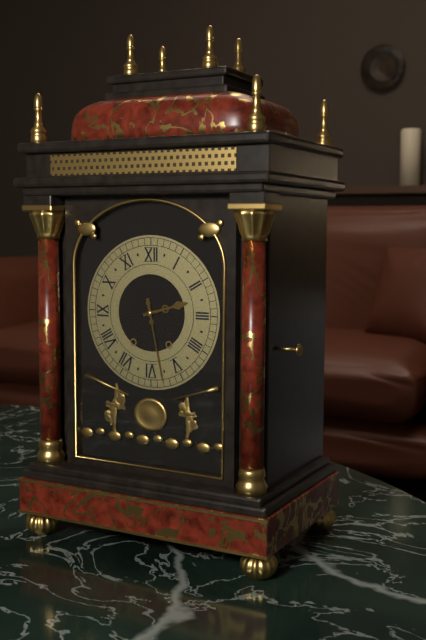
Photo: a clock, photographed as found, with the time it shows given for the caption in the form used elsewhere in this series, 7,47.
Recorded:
2,28
